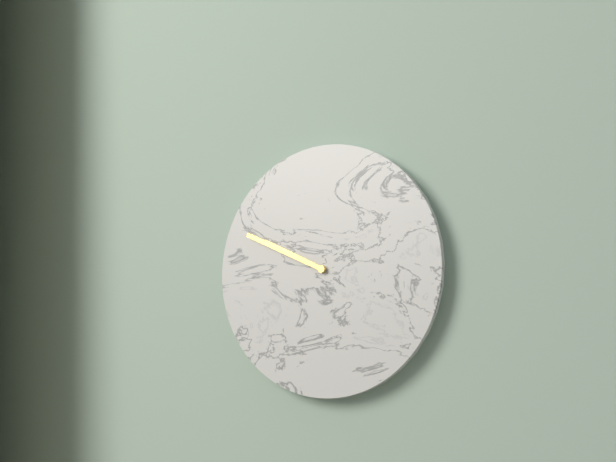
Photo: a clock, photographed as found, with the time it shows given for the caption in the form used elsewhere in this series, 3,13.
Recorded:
9,49
